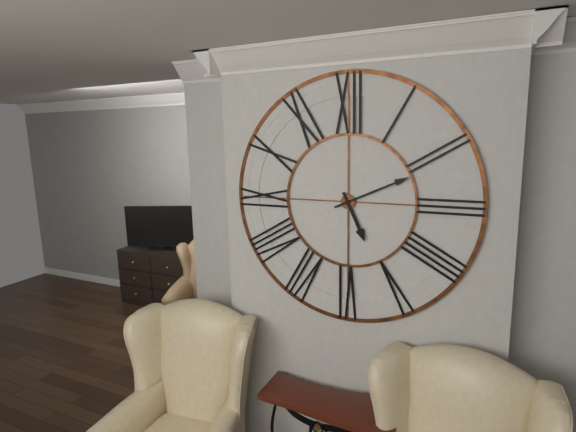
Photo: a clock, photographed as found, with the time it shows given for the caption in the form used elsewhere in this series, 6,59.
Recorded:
5,11
